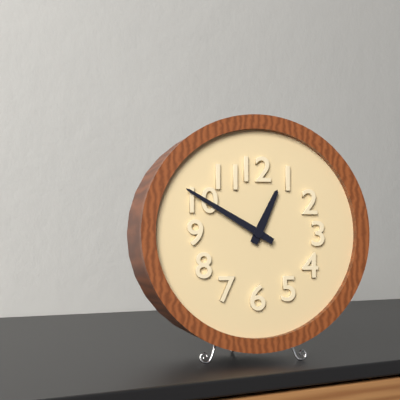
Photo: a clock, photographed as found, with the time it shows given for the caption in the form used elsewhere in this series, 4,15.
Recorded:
12,50
